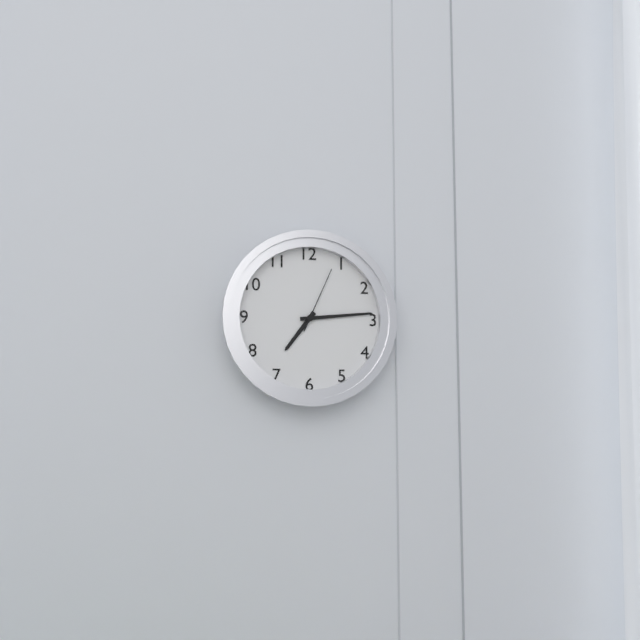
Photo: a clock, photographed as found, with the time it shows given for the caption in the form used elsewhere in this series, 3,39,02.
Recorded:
7,14,04
